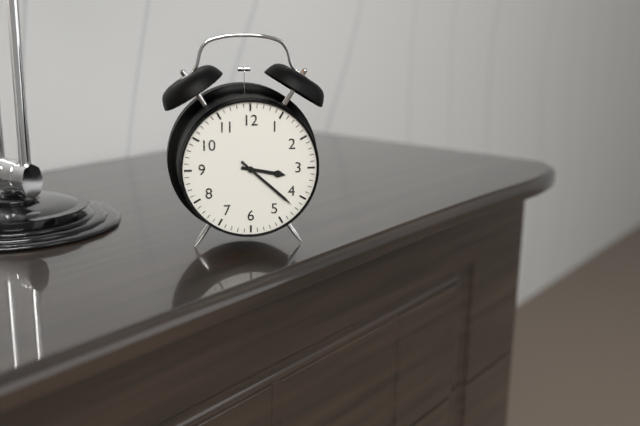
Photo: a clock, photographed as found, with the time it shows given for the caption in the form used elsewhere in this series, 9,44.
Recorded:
3,22
